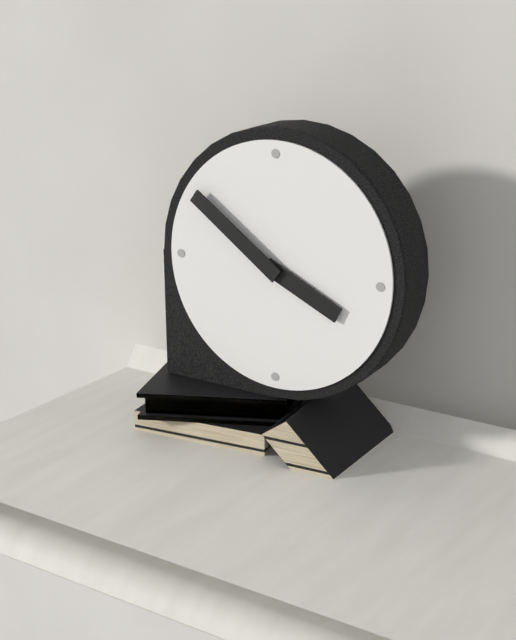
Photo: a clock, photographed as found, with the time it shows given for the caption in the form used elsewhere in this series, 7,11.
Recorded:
3,51
